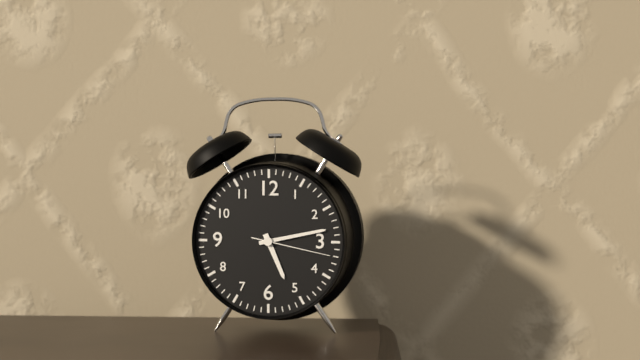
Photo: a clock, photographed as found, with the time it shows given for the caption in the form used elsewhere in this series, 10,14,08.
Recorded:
5,13,17
